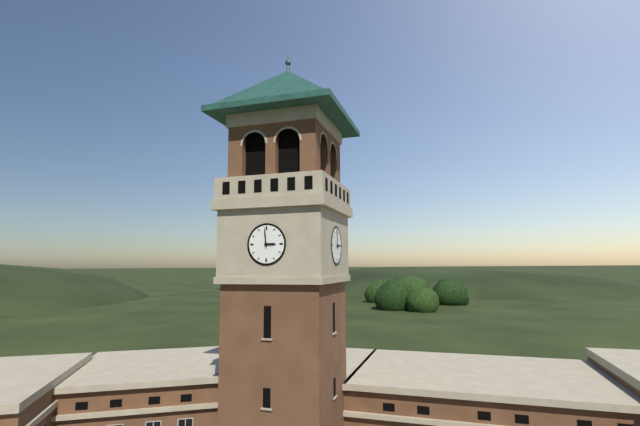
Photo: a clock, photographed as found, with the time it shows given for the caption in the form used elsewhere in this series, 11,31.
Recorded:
2,59
